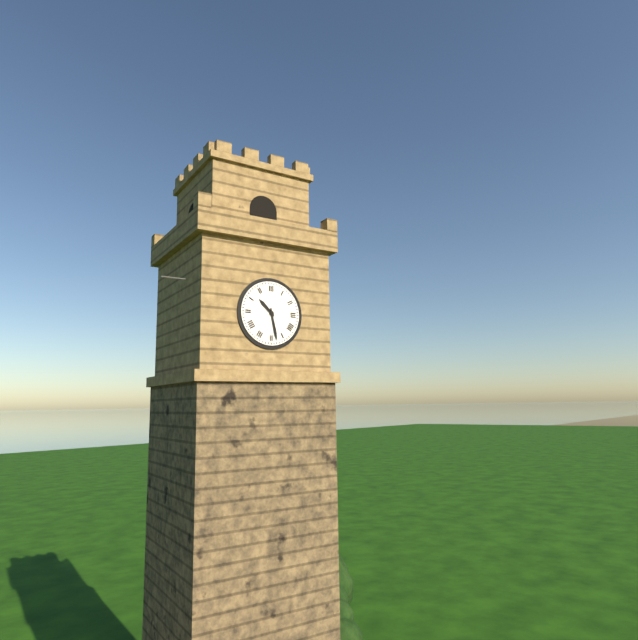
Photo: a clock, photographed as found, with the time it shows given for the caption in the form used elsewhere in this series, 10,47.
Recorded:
10,28
